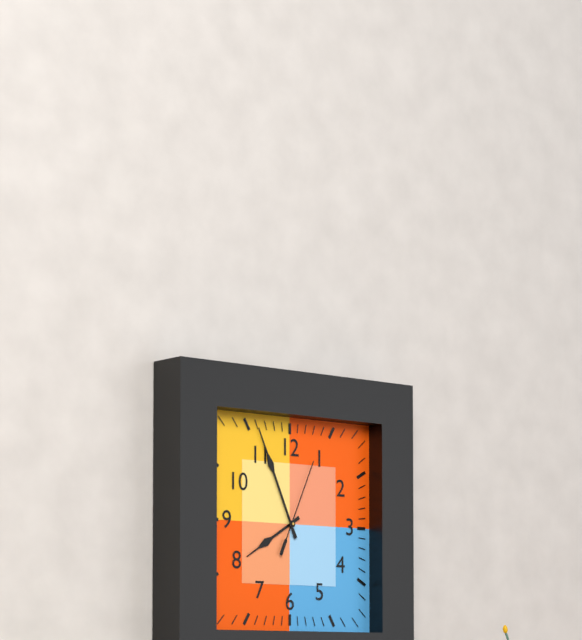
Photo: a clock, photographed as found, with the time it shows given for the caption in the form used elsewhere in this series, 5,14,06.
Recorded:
7,56,04
